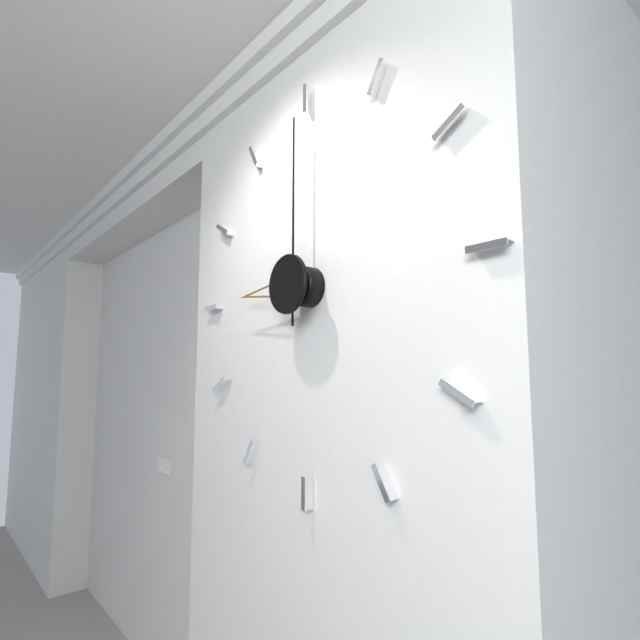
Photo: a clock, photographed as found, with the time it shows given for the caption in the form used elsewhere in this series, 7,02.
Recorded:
9,00
